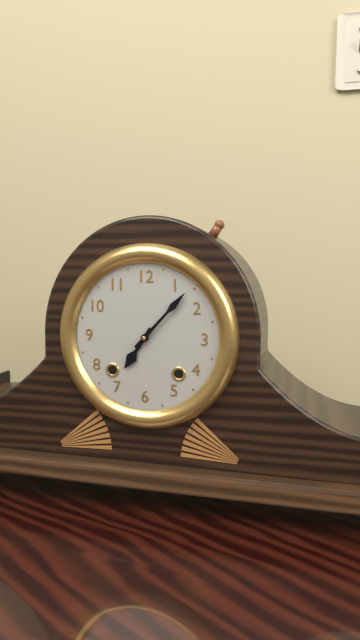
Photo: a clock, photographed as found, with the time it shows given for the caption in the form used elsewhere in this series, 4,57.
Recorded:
7,07
